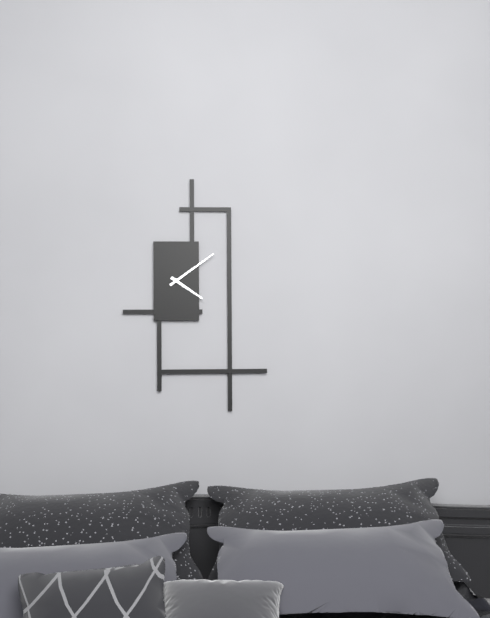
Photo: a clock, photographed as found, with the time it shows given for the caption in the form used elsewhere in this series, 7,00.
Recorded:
4,09
